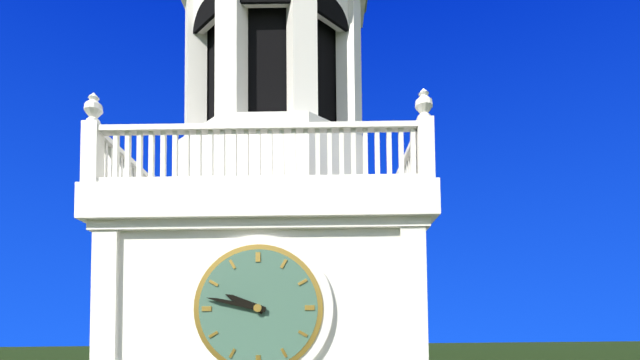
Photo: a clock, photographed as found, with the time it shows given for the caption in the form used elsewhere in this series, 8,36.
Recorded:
9,47
